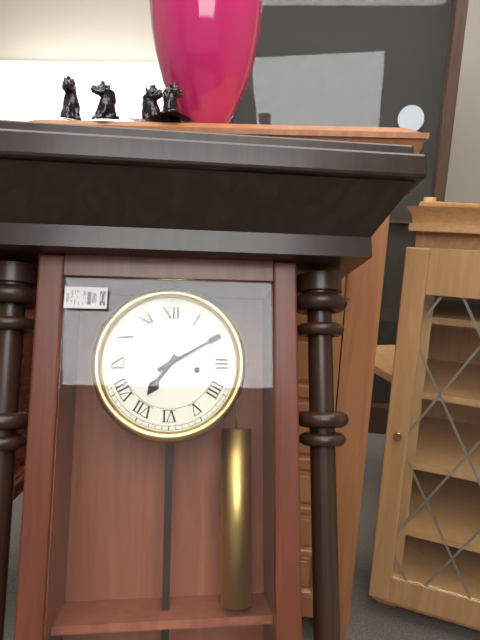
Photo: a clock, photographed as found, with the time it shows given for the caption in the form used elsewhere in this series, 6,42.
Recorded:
7,10
